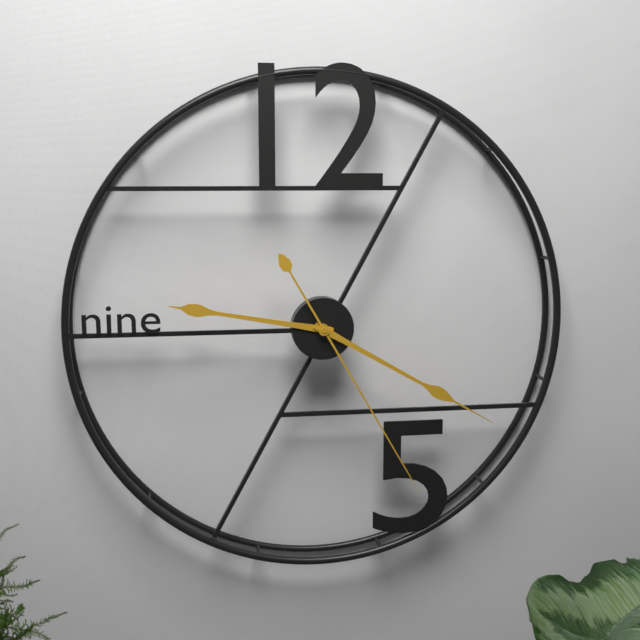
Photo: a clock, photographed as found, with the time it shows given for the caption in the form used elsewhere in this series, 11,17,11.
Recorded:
9,20,25
